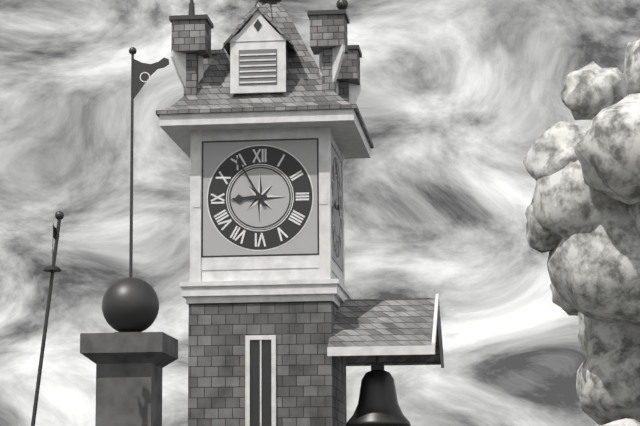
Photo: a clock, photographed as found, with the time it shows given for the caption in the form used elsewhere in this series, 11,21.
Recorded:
8,55
